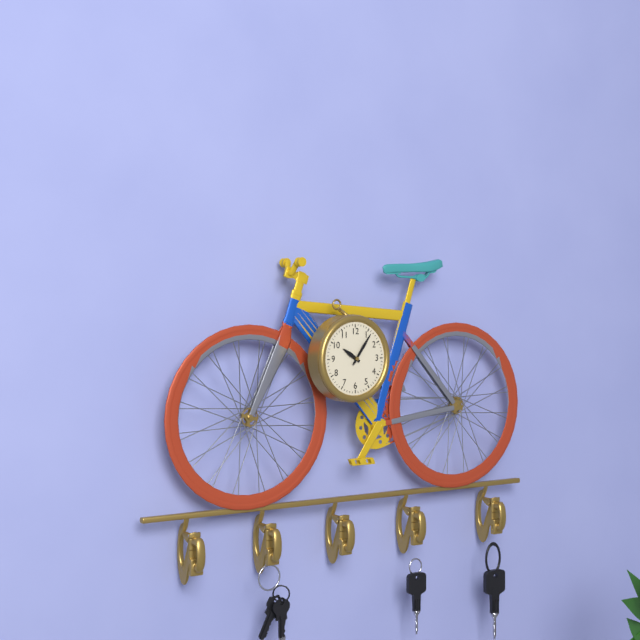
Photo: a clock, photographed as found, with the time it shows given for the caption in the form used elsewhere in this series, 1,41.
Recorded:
10,06
